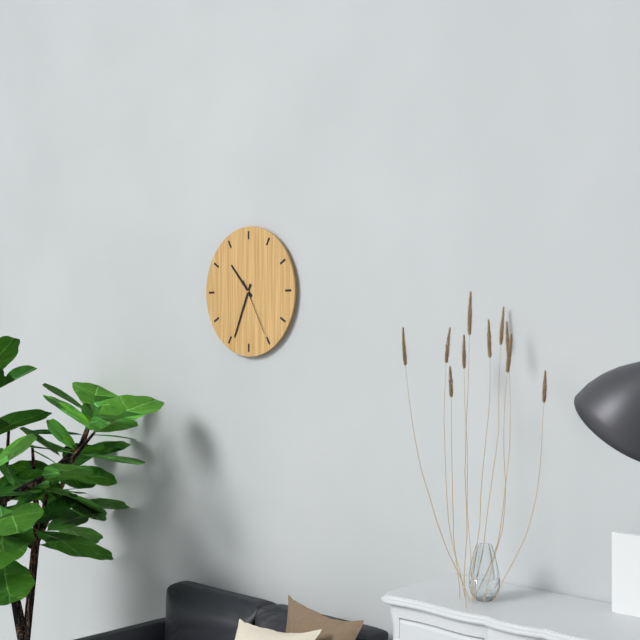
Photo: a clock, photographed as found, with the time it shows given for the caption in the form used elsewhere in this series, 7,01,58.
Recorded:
10,34,25
